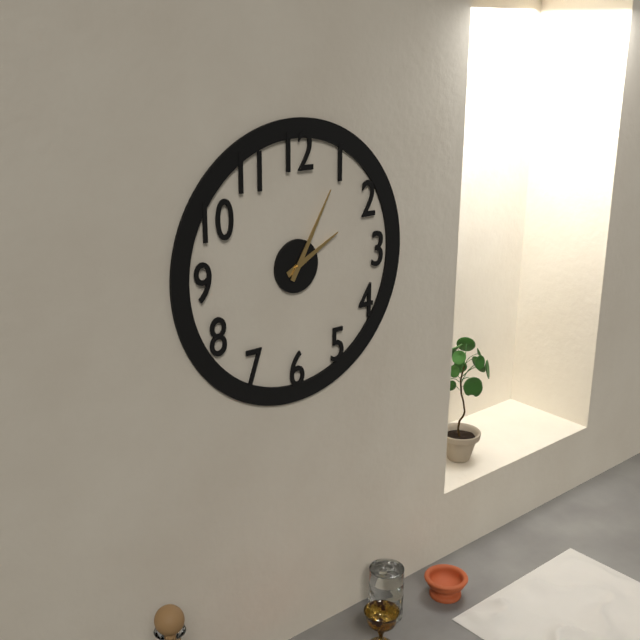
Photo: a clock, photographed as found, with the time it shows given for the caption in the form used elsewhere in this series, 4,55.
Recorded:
2,05
